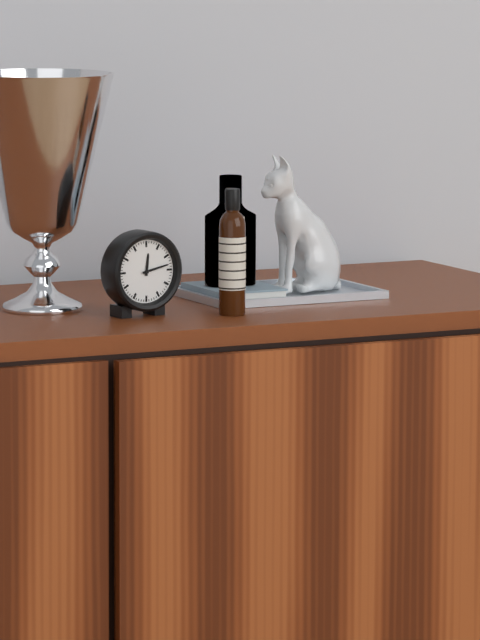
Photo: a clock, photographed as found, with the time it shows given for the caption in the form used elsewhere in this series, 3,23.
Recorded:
12,13
